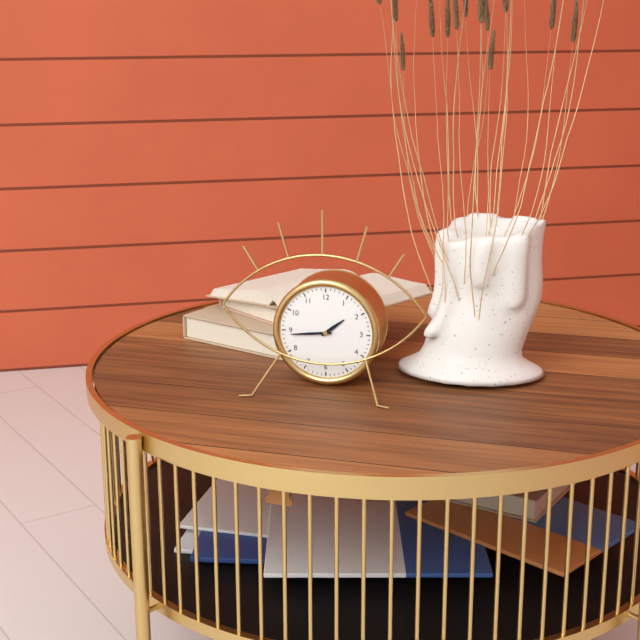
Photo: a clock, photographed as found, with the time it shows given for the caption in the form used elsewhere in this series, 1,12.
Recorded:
1,44
